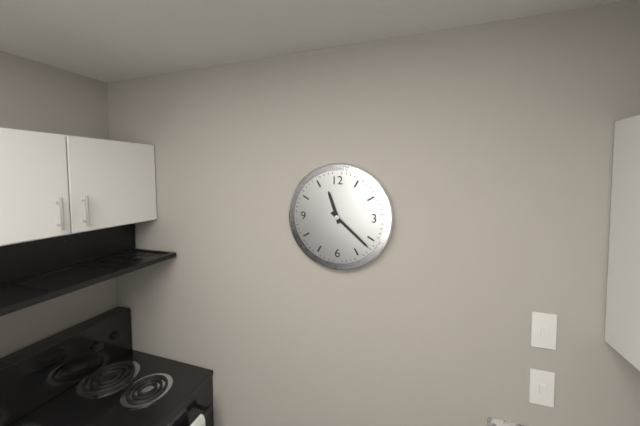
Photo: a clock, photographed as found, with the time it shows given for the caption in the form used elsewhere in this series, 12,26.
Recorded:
11,22
